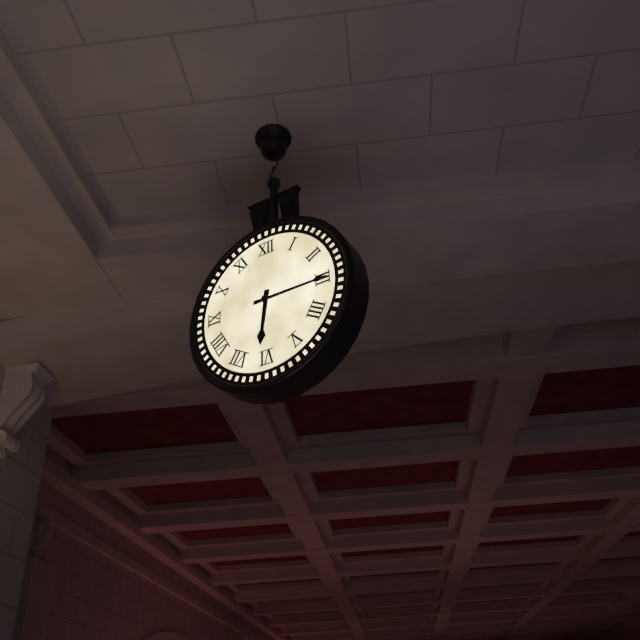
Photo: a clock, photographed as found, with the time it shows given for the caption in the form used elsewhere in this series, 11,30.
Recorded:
6,15
